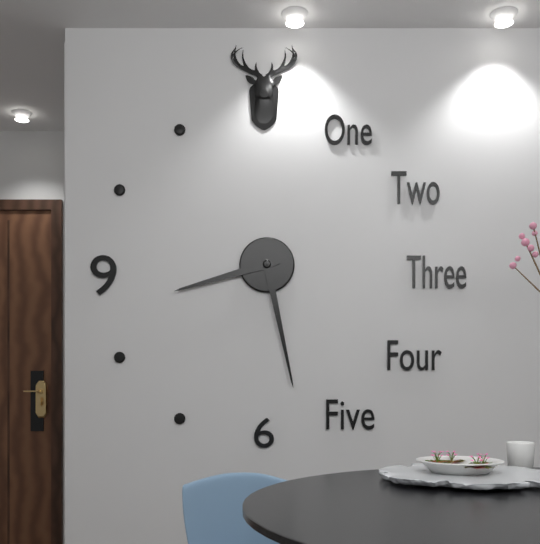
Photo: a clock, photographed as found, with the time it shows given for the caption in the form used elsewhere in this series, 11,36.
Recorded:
8,28
